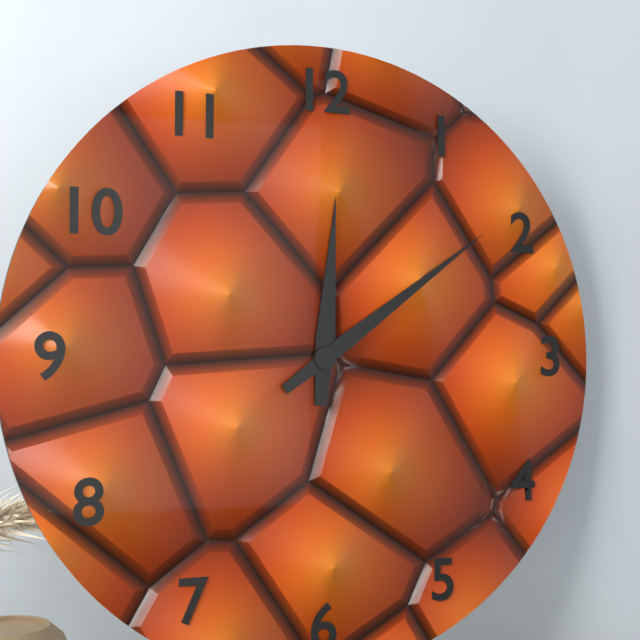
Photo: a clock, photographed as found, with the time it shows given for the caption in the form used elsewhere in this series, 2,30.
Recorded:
12,09
